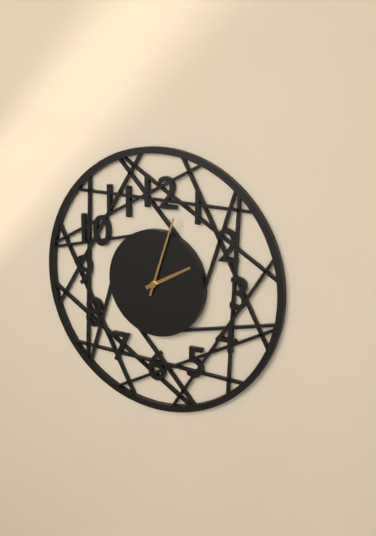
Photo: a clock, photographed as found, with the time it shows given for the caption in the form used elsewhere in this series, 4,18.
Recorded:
2,03
